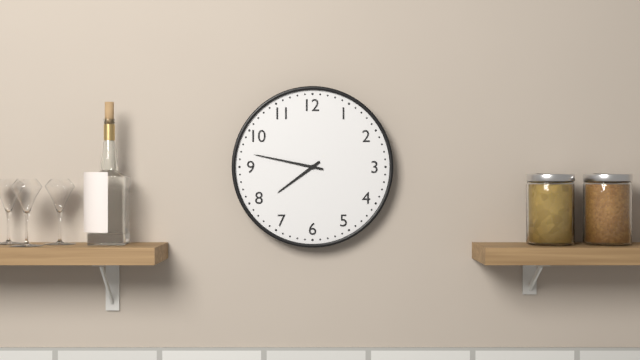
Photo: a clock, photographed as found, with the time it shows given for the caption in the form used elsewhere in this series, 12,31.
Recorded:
7,47
